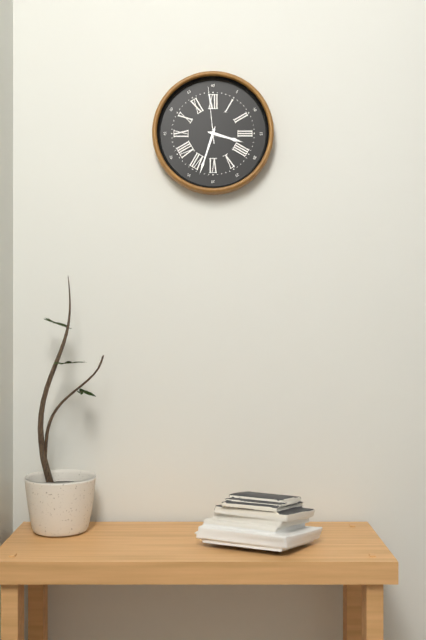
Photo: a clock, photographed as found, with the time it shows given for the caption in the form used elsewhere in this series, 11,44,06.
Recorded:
3,33,59
